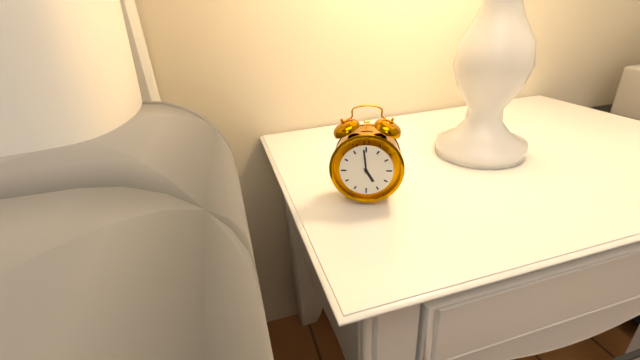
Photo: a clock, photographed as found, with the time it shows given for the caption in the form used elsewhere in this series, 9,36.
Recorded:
4,59
